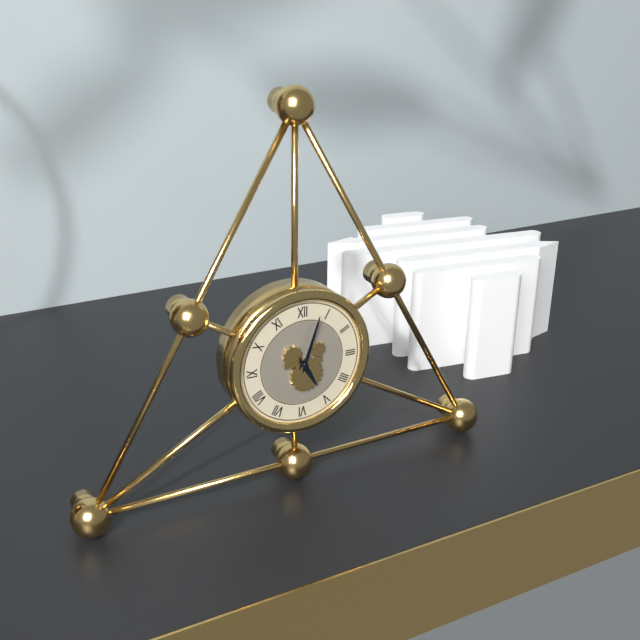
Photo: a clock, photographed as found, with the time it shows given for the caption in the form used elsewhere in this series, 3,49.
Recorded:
5,03
